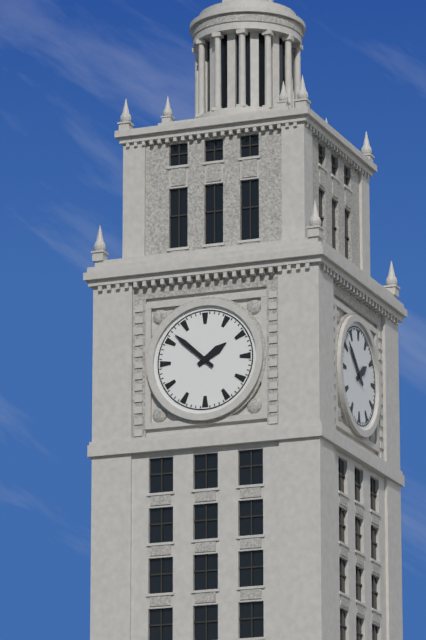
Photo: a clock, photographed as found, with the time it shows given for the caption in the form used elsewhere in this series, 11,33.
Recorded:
1,52
